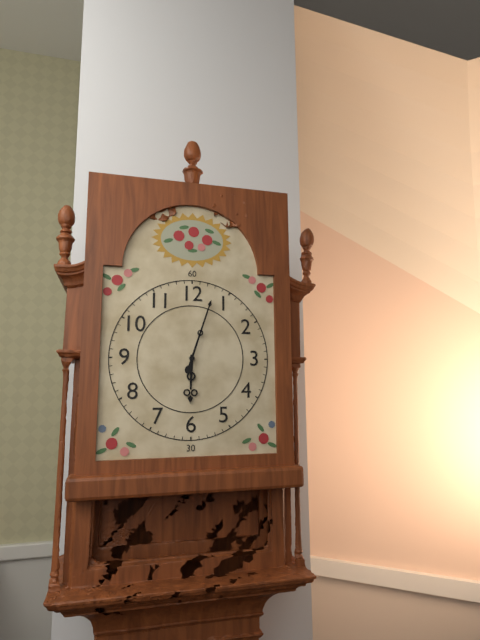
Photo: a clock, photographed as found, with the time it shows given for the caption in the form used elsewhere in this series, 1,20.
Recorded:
6,03
